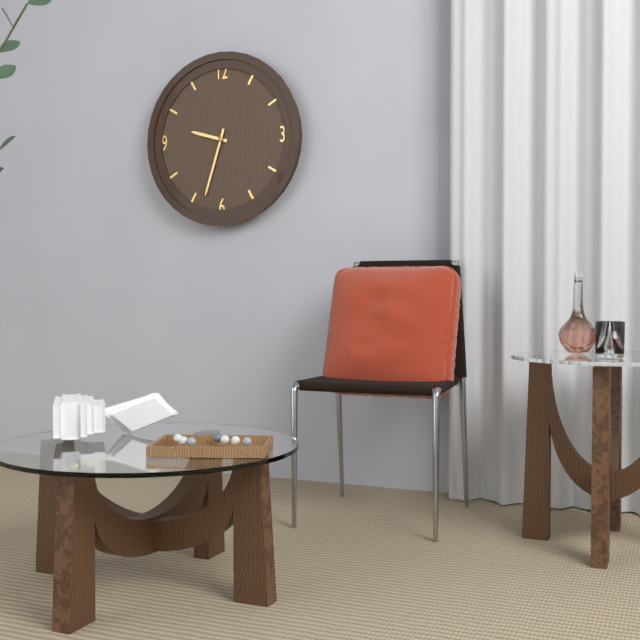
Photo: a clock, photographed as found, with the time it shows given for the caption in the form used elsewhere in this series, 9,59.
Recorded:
9,33
